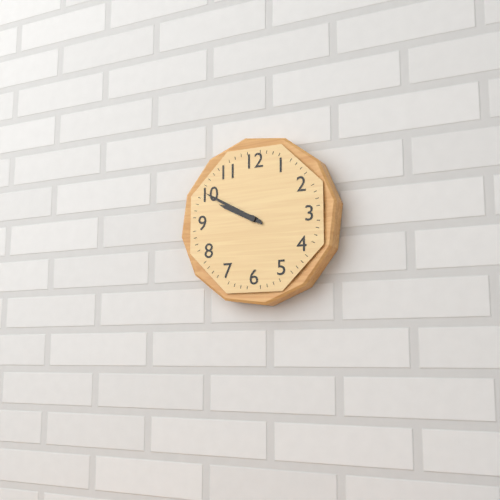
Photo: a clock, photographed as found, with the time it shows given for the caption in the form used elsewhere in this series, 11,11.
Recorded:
9,50
